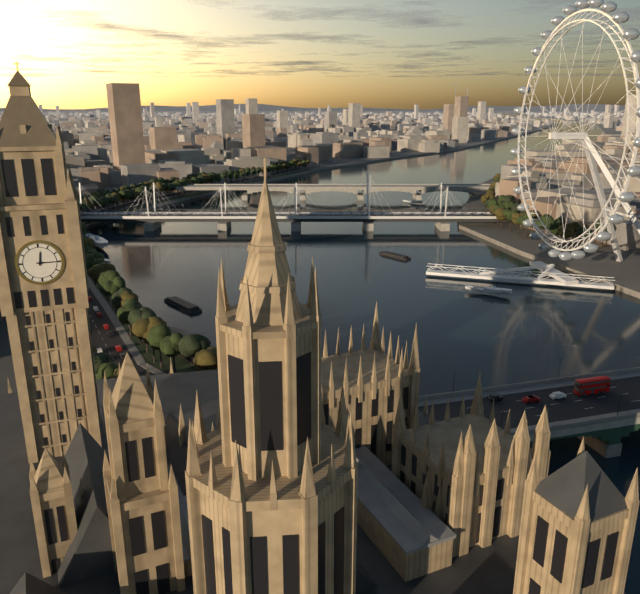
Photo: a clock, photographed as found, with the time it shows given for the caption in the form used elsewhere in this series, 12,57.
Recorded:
12,15
